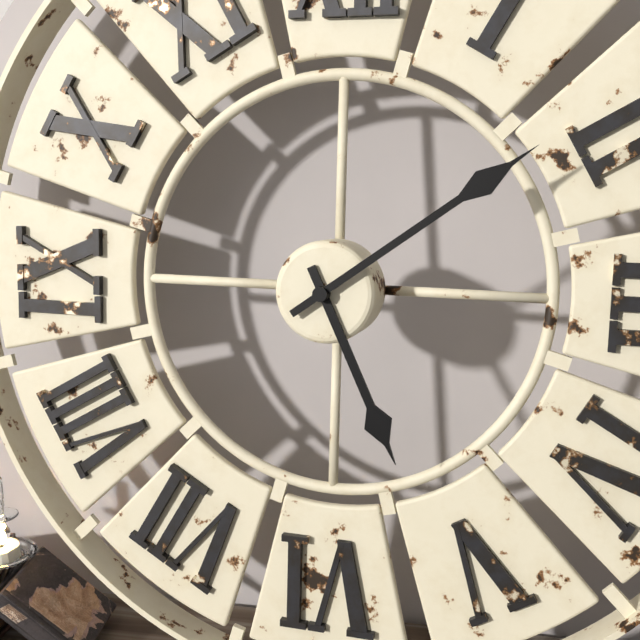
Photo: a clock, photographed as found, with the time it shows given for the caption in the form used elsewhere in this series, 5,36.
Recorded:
5,09
